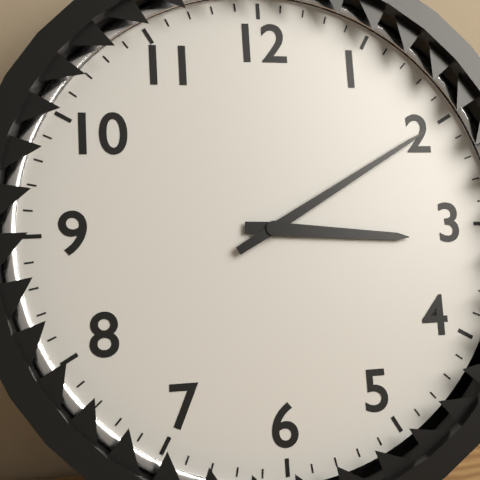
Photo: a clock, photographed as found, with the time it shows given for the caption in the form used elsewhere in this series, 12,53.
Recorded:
3,10
